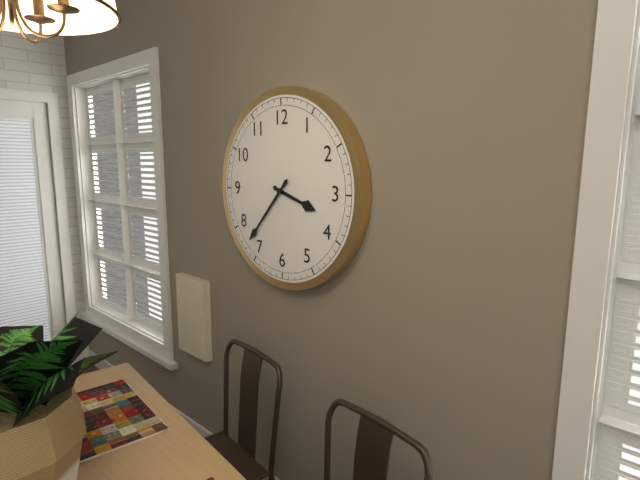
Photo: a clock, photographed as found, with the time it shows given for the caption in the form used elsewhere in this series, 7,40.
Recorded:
3,37
